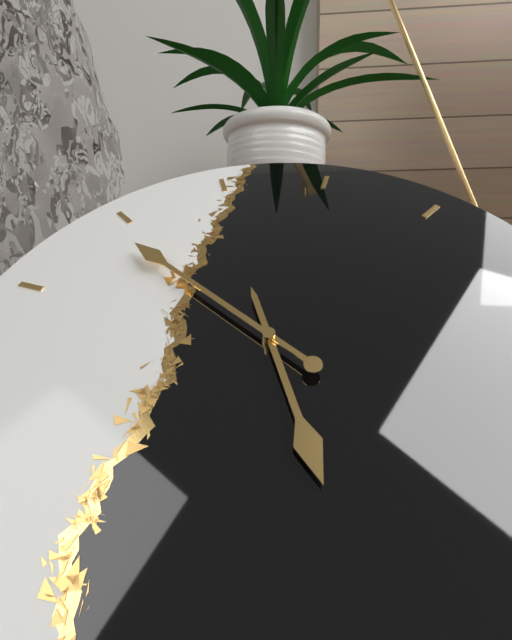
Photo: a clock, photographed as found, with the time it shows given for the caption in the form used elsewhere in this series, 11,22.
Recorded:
5,54
